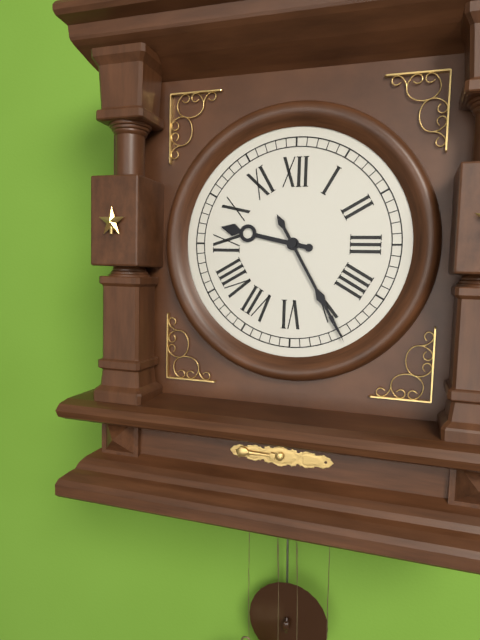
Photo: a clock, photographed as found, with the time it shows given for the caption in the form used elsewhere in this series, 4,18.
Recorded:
9,25
